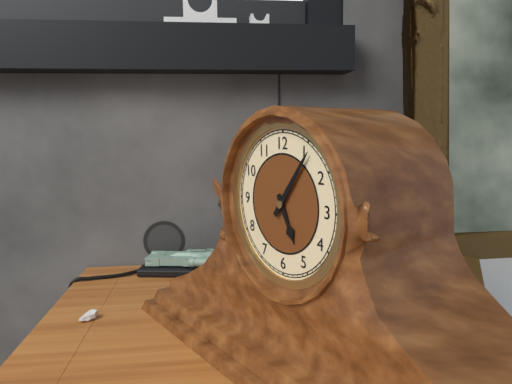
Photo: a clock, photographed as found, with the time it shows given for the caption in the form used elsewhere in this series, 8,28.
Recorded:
5,06
